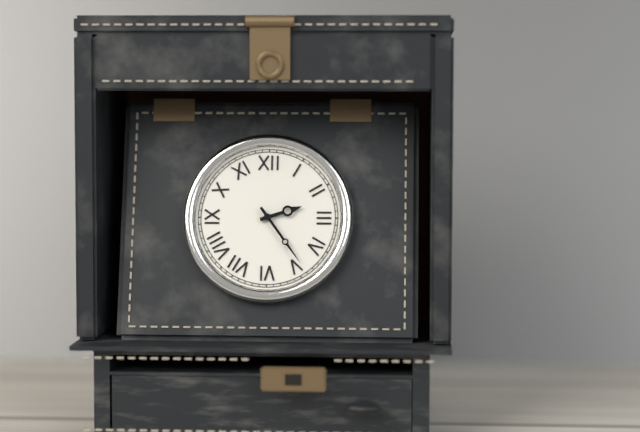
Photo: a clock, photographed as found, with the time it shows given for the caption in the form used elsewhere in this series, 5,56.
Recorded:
2,24
